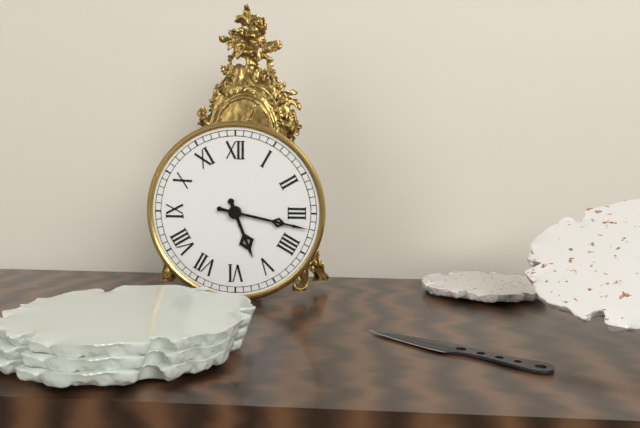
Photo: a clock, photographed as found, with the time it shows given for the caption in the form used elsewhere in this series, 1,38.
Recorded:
5,17
